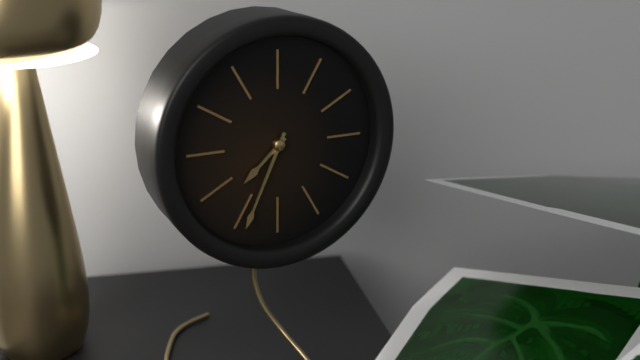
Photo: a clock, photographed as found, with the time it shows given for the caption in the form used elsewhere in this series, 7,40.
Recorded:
7,34
